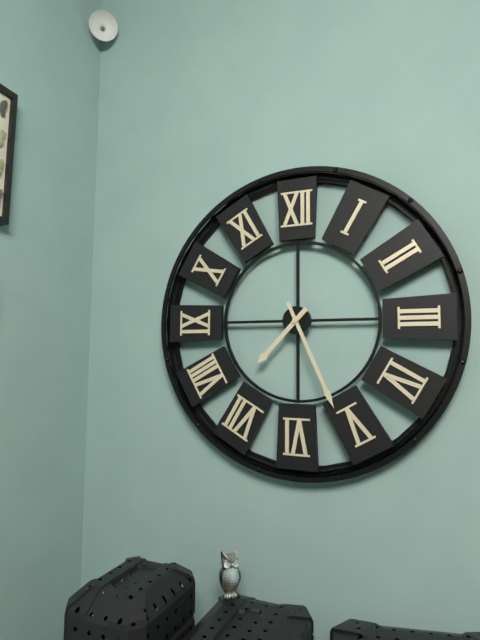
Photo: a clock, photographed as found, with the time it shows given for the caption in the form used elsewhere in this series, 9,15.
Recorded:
7,26
